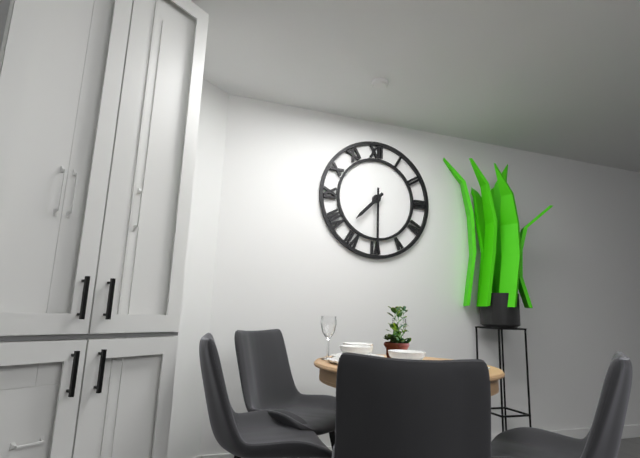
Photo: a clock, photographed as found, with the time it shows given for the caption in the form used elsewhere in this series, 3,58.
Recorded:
7,30
